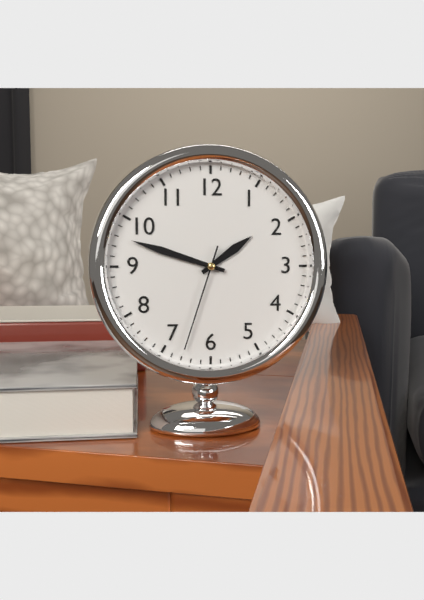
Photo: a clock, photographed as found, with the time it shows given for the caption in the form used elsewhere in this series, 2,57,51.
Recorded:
1,48,33
